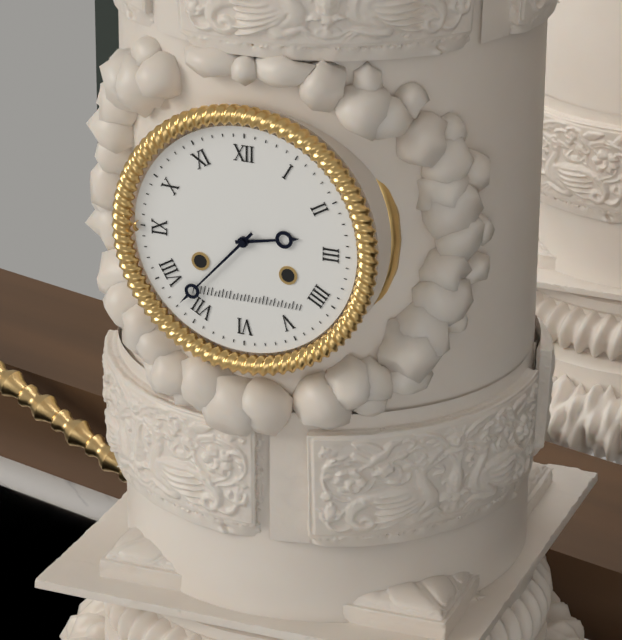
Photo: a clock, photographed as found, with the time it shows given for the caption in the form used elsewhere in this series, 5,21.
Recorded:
2,37
